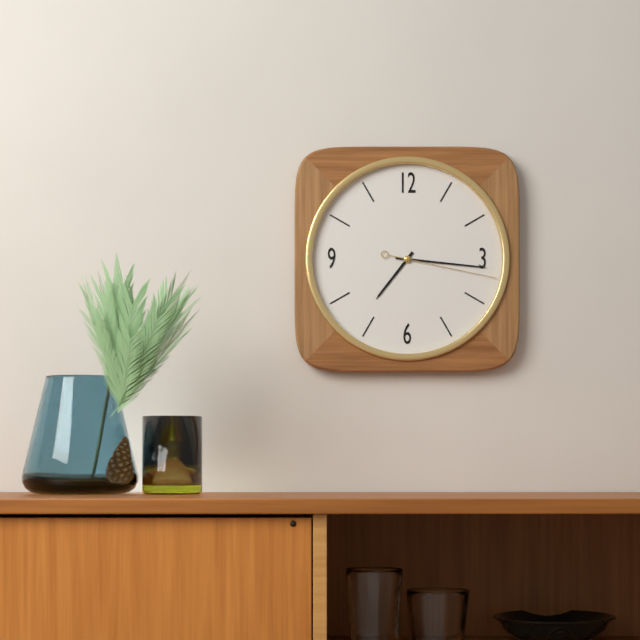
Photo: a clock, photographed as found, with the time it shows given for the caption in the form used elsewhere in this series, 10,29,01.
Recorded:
7,16,17
